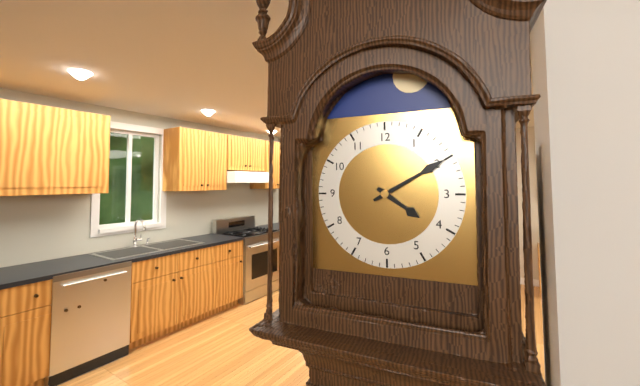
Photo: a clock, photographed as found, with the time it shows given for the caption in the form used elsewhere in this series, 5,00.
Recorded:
4,10
